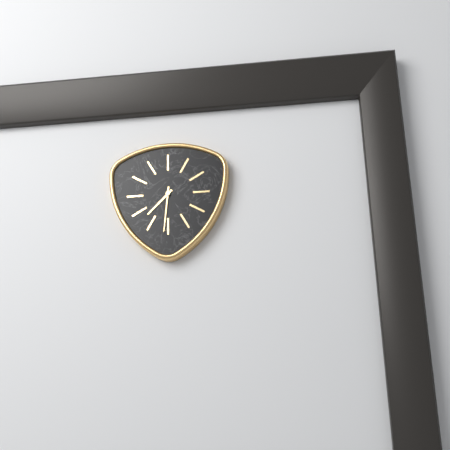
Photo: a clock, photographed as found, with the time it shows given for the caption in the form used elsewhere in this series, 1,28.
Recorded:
7,31
